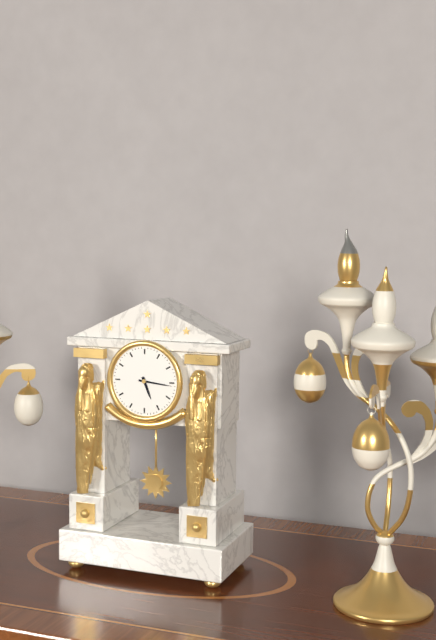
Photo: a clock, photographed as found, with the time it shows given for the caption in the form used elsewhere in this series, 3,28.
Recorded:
5,16
